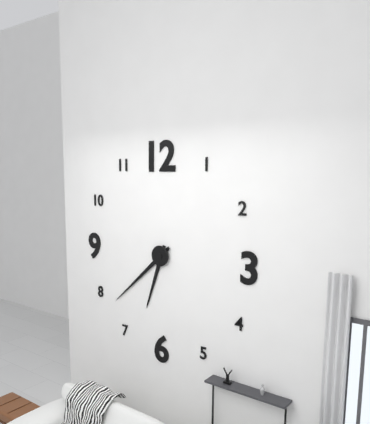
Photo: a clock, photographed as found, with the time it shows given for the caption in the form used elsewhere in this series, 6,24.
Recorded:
6,38
